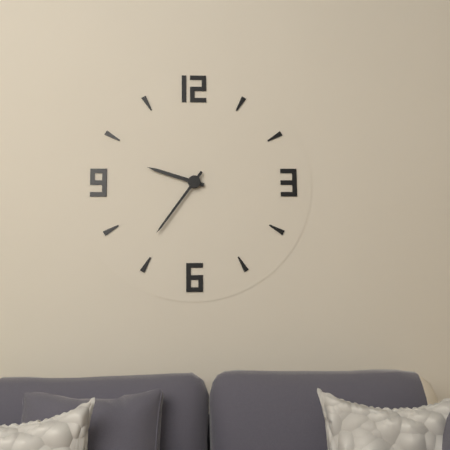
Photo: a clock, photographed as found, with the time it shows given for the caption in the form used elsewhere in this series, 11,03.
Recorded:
9,36
